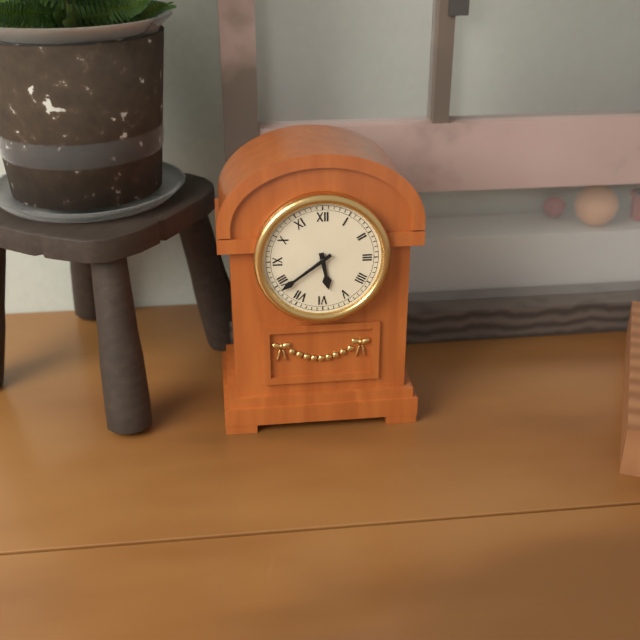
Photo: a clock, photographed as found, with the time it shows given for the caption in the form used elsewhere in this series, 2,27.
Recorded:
5,39
